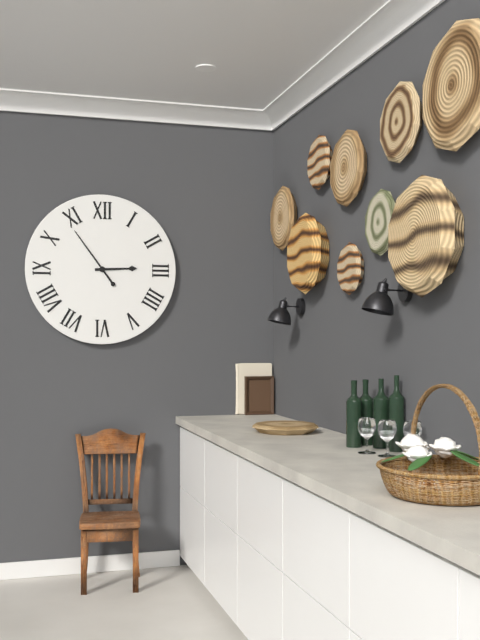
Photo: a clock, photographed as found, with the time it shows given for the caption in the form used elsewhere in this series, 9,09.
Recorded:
2,54
